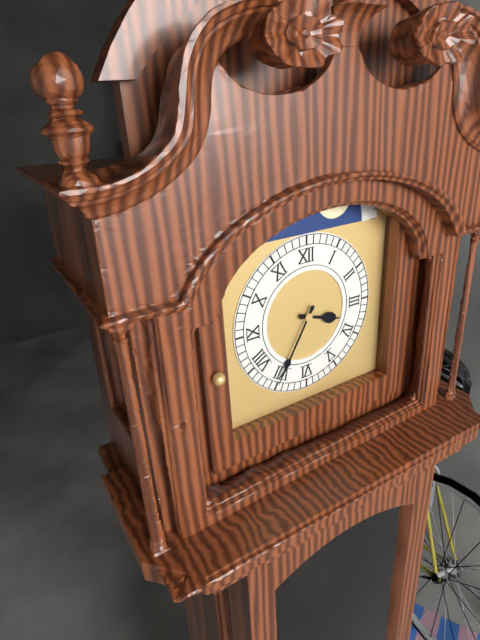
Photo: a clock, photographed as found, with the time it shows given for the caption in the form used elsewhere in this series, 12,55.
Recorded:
3,35
